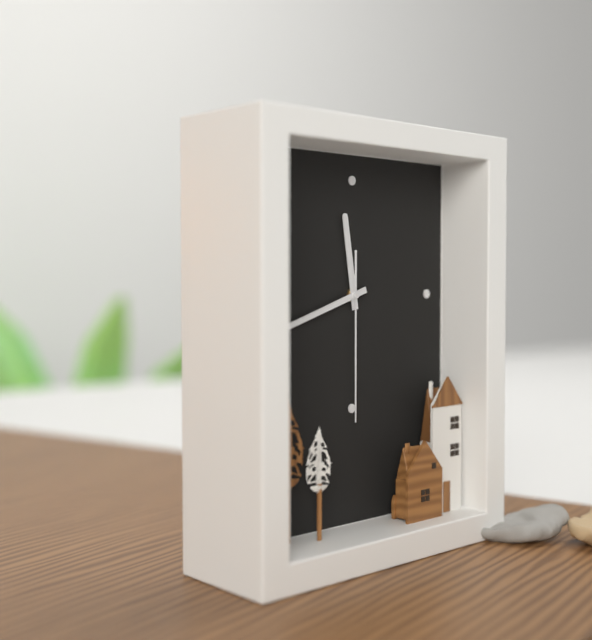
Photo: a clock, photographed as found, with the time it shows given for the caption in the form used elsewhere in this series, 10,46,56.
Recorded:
11,42,30
